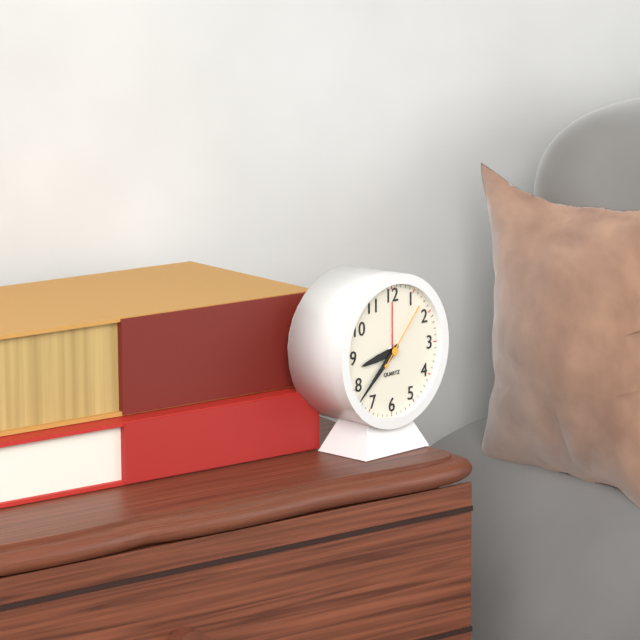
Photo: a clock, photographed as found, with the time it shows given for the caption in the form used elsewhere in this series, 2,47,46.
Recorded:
8,38,07
